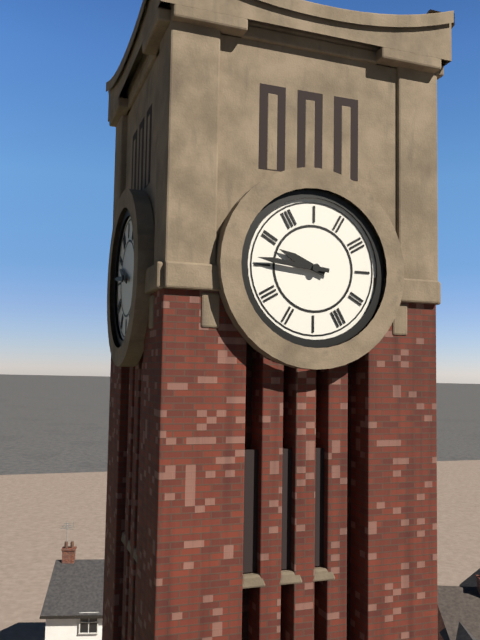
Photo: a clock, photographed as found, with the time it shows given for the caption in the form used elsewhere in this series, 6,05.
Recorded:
9,46
